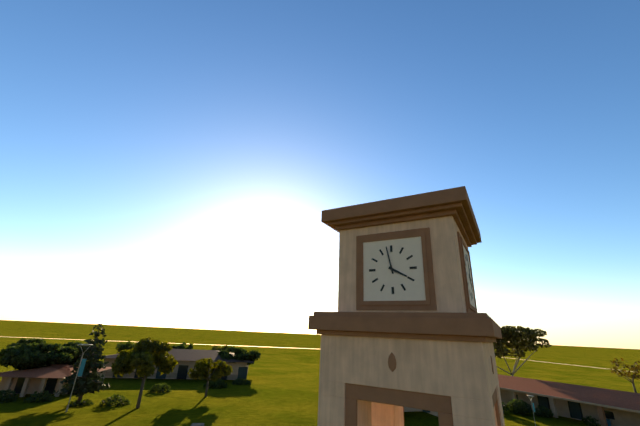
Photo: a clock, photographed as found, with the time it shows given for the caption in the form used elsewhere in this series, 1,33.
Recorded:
3,58
